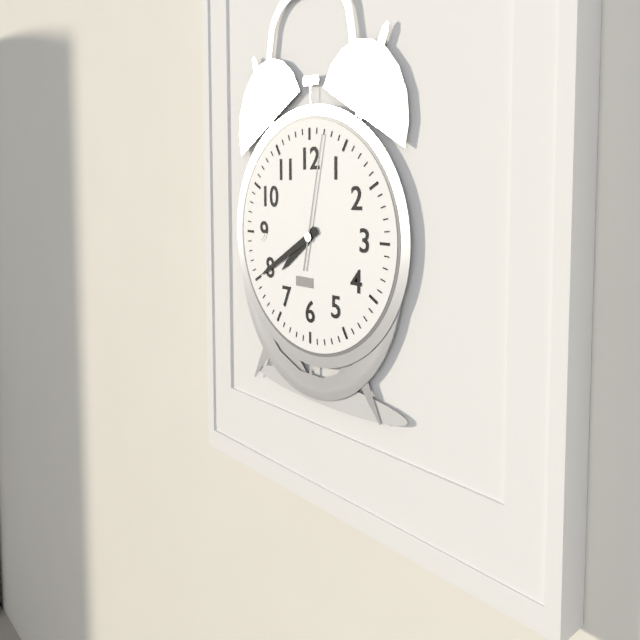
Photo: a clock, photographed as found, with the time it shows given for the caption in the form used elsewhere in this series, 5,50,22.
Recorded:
7,40,02
